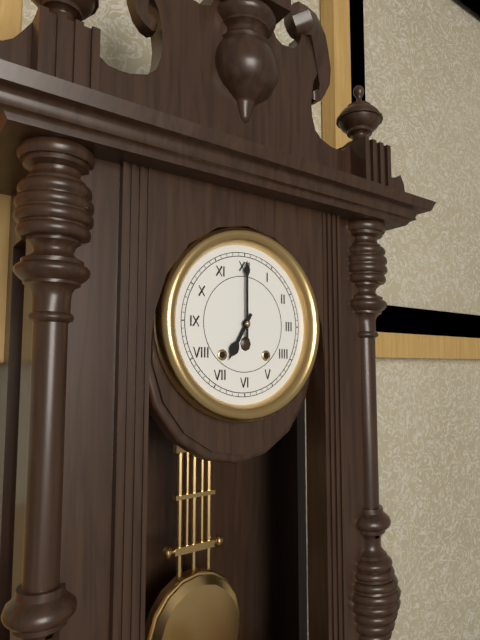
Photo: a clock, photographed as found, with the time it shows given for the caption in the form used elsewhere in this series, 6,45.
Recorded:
7,00
